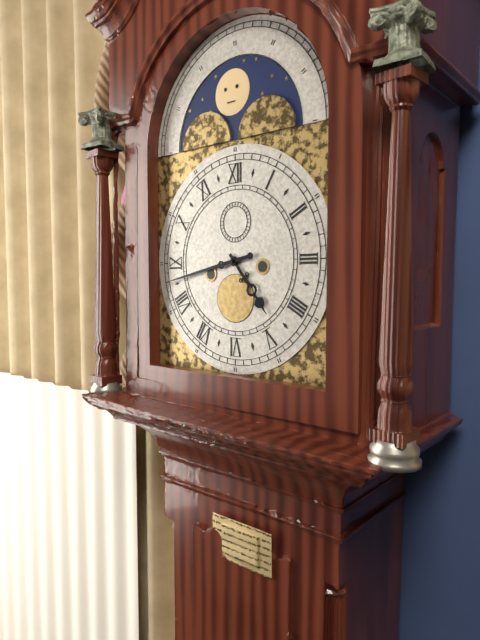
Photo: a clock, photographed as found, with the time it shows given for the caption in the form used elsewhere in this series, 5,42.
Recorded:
4,43
